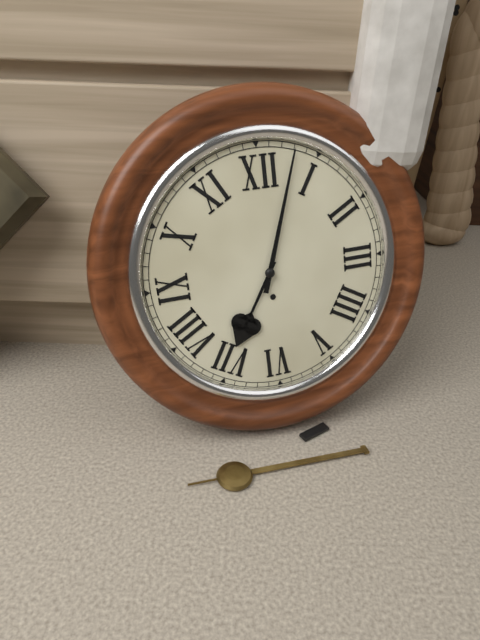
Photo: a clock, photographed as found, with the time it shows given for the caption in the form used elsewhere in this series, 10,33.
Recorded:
7,03
